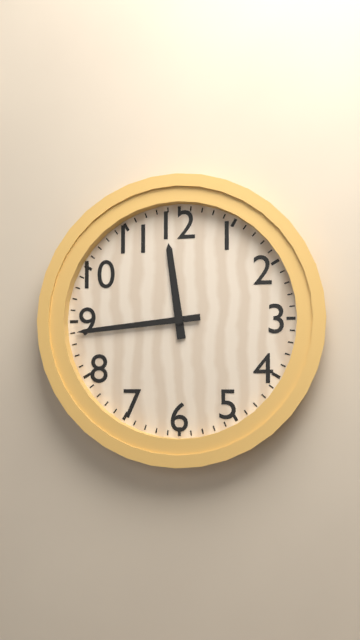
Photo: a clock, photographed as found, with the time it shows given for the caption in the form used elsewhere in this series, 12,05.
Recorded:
11,44
